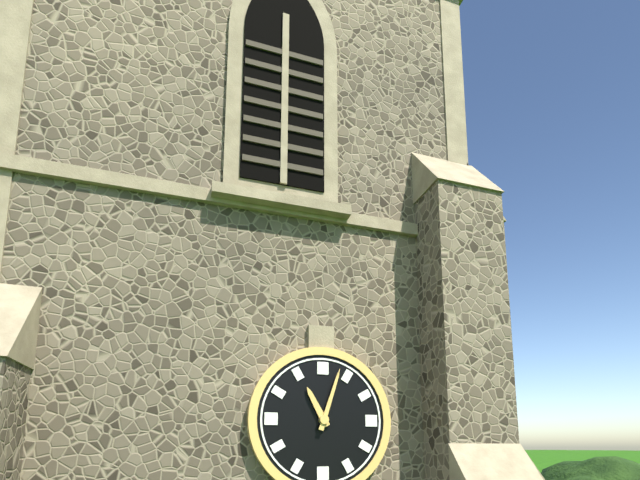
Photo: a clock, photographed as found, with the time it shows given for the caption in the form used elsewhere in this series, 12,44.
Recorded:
11,03
